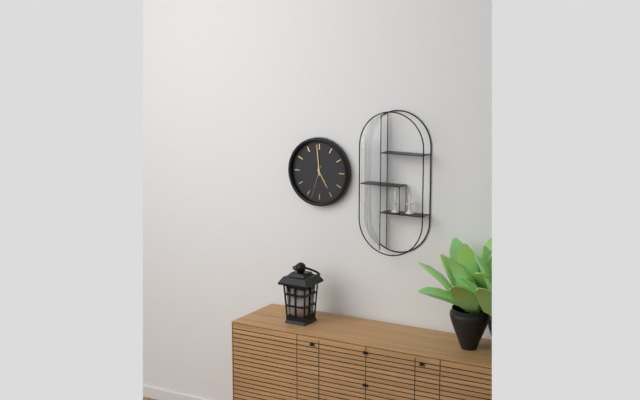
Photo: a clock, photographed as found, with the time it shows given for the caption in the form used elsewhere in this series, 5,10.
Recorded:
4,59
